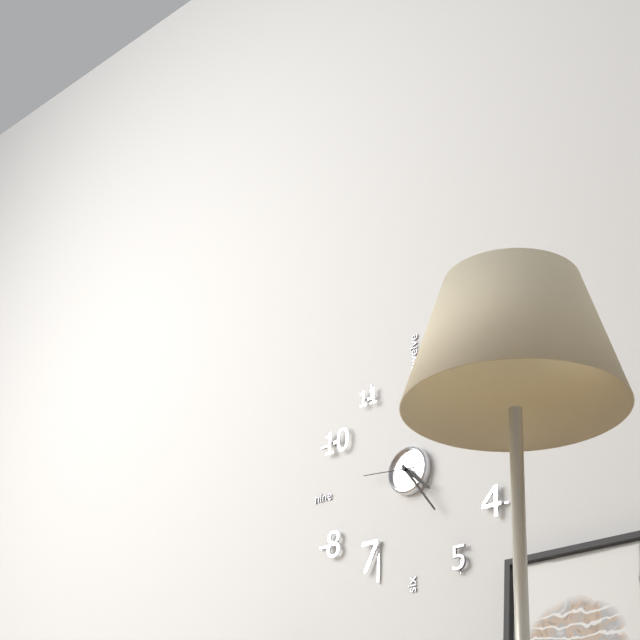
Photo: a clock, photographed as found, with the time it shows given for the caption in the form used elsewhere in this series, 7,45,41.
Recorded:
4,24,46
